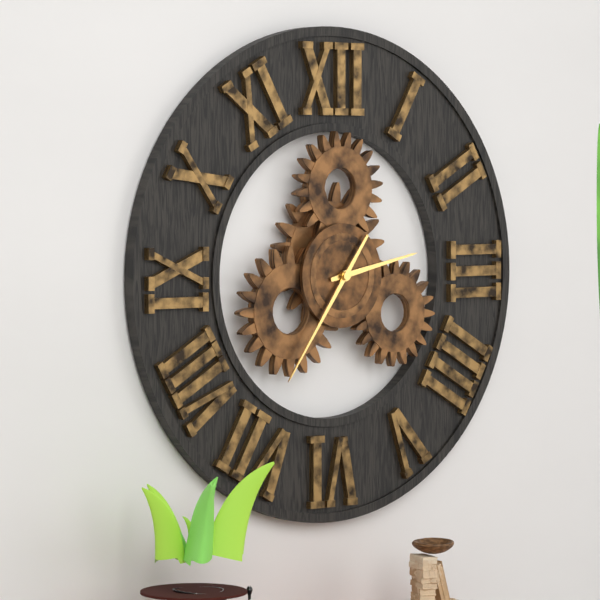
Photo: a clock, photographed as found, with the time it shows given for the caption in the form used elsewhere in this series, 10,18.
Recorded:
2,36
